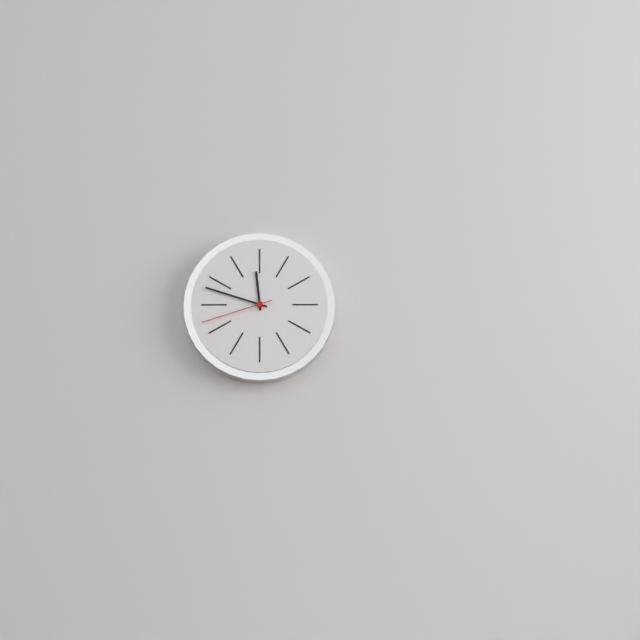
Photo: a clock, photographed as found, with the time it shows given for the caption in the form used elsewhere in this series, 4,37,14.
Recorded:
11,48,42
